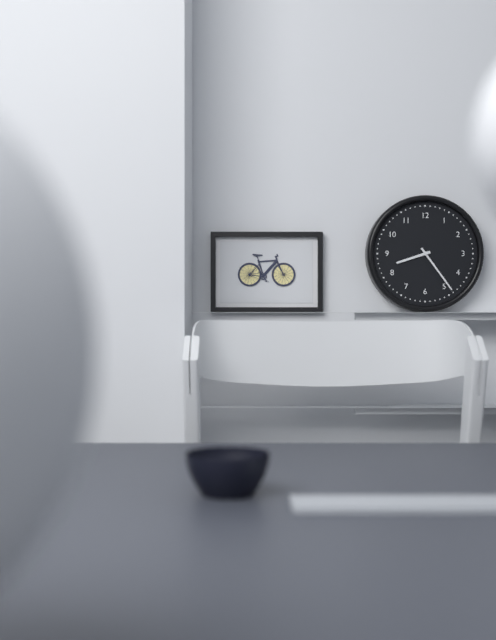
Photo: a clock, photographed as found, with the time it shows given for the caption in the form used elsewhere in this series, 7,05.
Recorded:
8,24
